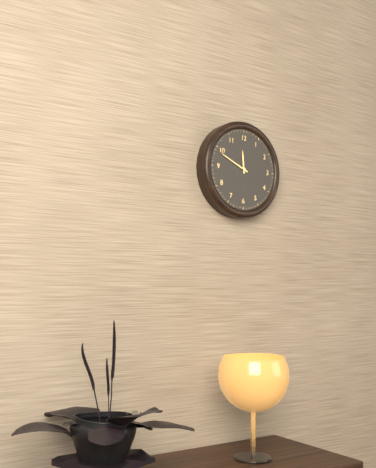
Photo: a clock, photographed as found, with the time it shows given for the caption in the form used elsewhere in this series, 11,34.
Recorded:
11,49
